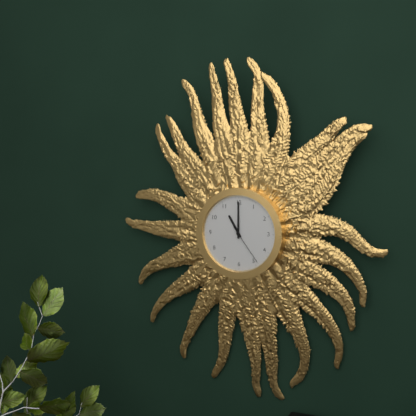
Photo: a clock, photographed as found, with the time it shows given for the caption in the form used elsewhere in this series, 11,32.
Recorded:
11,00
